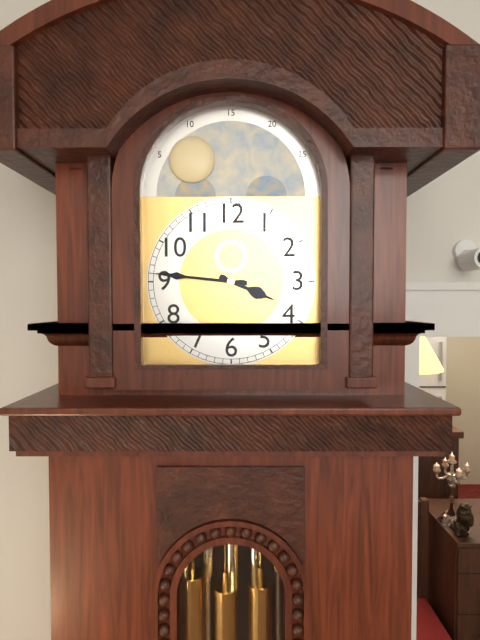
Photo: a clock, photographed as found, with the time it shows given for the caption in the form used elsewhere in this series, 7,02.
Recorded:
3,46
